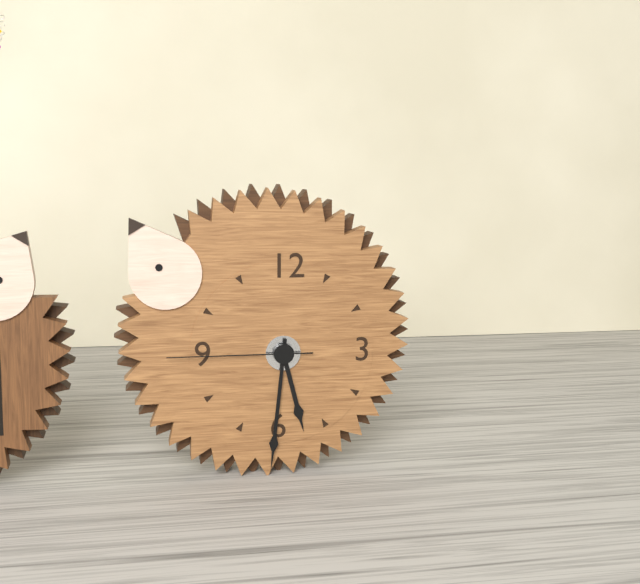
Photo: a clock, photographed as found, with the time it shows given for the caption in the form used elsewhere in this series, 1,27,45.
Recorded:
5,31,45
